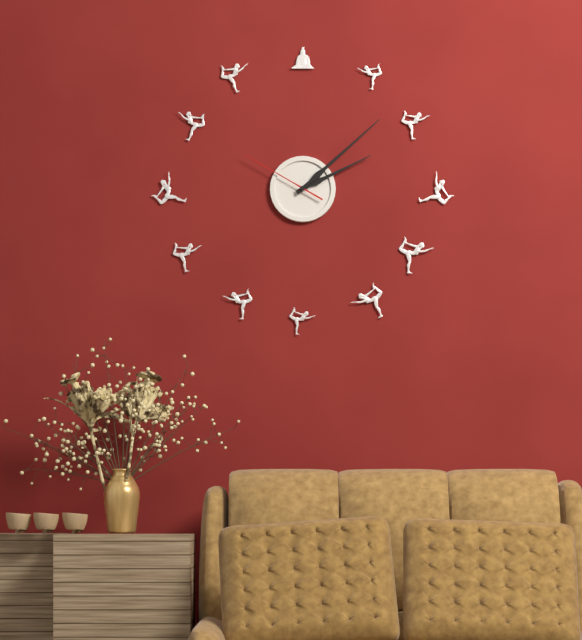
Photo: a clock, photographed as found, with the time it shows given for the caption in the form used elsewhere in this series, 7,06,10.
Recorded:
2,08,50
